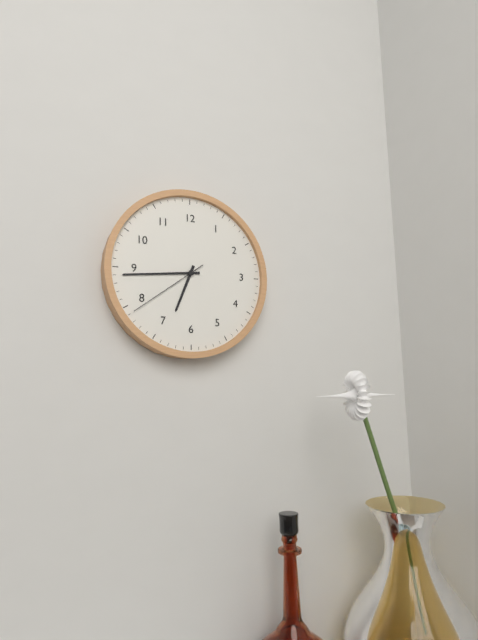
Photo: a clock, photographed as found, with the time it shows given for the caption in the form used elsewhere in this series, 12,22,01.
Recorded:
6,44,39
